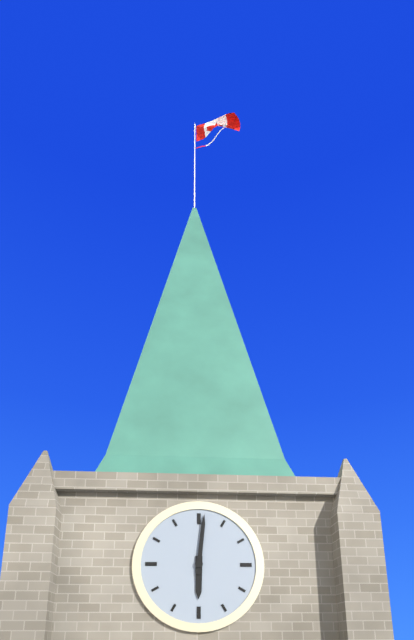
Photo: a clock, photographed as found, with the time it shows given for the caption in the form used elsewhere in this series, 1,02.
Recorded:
6,01
